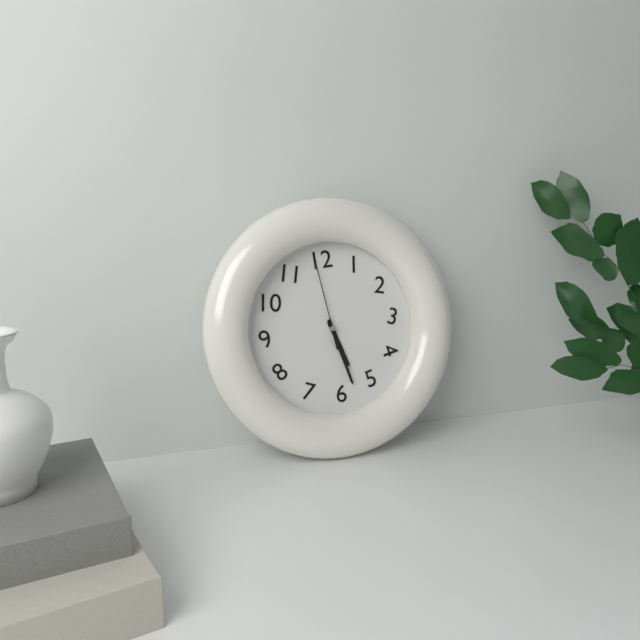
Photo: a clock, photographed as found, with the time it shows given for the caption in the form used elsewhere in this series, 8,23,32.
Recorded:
5,28,59
